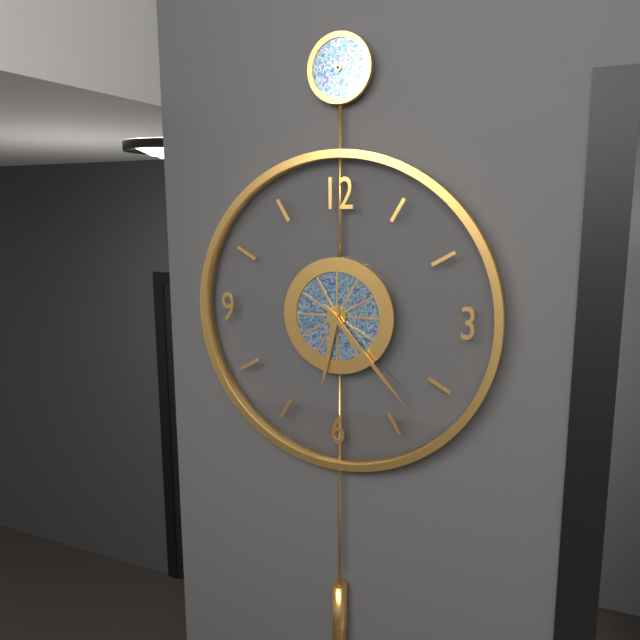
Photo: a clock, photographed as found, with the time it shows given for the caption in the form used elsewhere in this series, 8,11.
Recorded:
6,23
